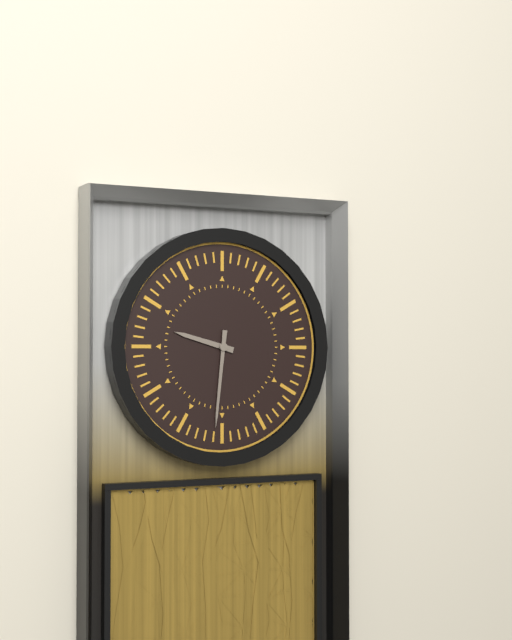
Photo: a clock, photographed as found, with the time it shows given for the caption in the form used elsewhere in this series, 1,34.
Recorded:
9,31
